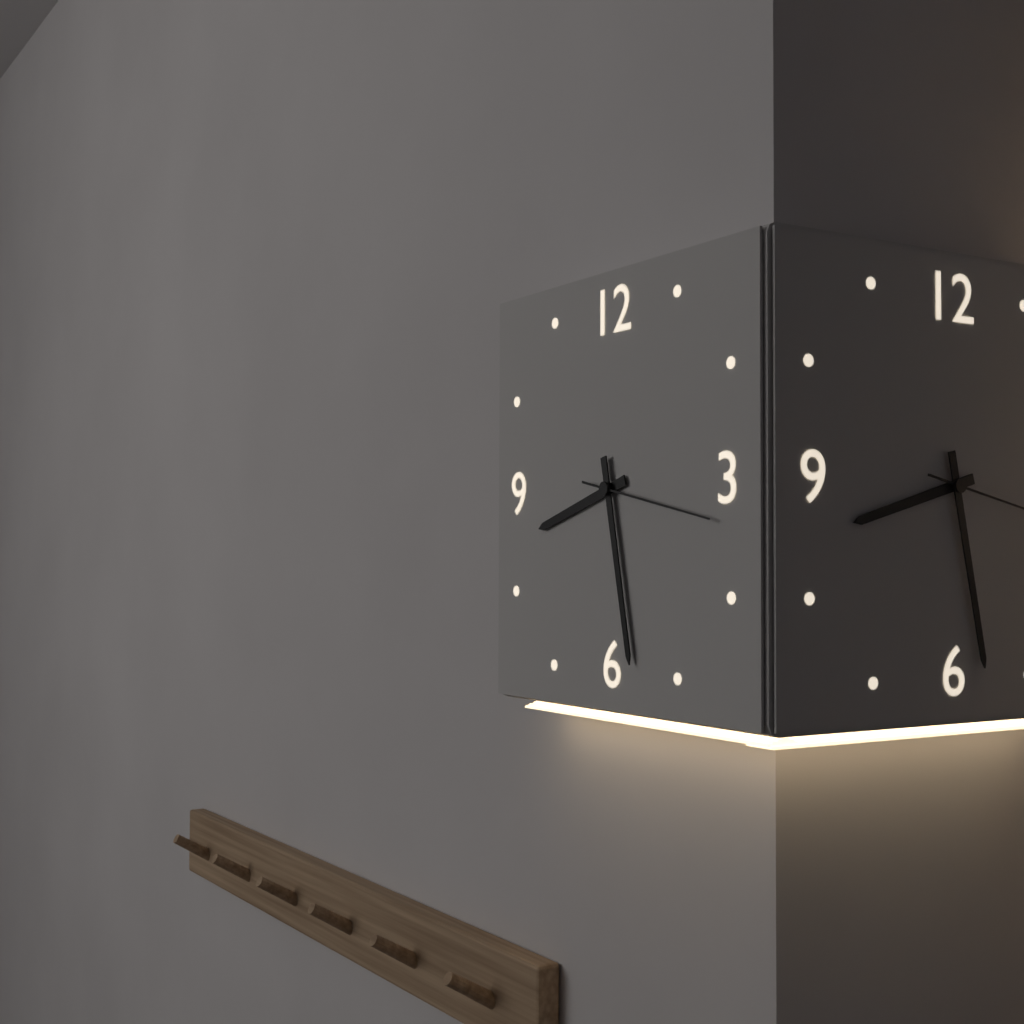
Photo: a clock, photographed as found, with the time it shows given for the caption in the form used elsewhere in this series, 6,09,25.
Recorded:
8,28,17
